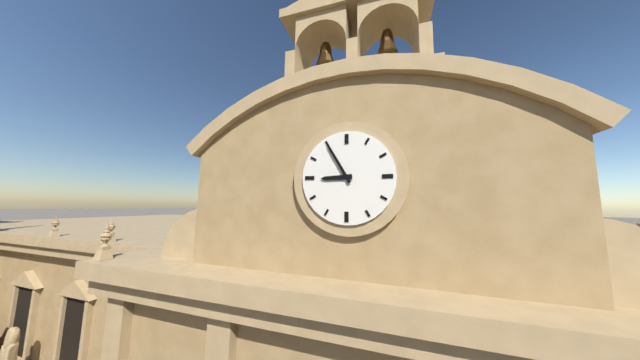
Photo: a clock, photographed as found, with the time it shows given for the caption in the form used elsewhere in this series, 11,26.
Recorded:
8,55
